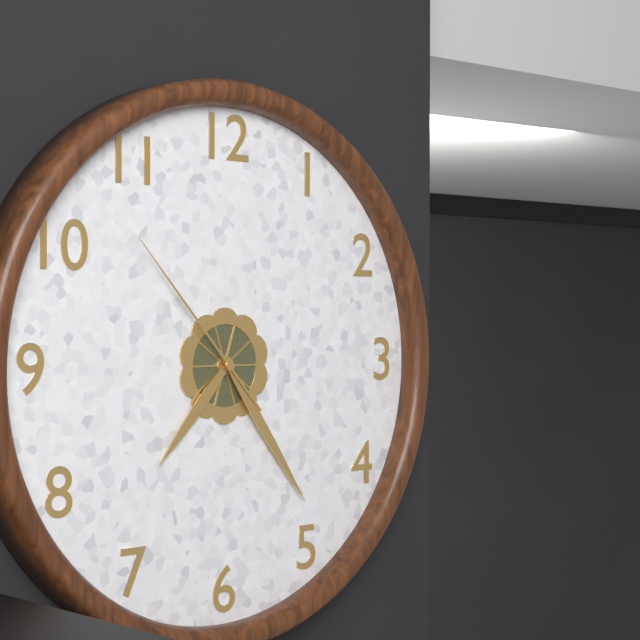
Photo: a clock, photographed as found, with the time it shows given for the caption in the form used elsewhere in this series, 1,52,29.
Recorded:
7,24,53
